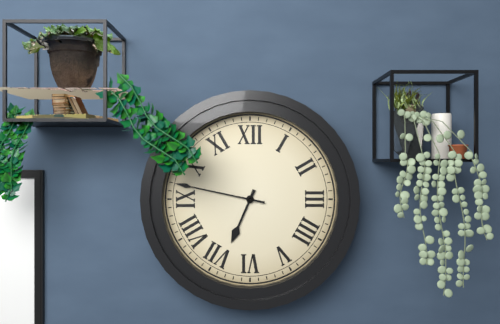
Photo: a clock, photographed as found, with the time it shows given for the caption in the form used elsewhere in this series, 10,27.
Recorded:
6,47
